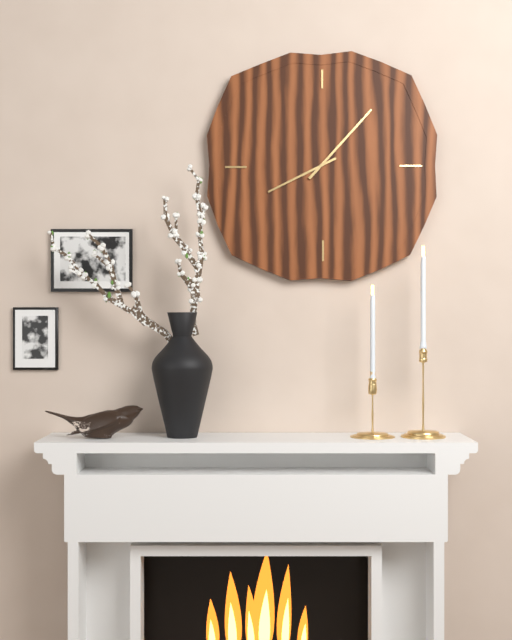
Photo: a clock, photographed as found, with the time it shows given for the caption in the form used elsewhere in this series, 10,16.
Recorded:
8,07
